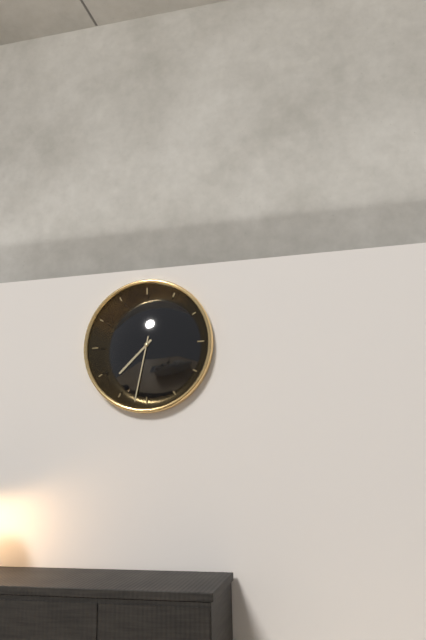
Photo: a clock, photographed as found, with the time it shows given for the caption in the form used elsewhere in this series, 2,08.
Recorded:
7,32
